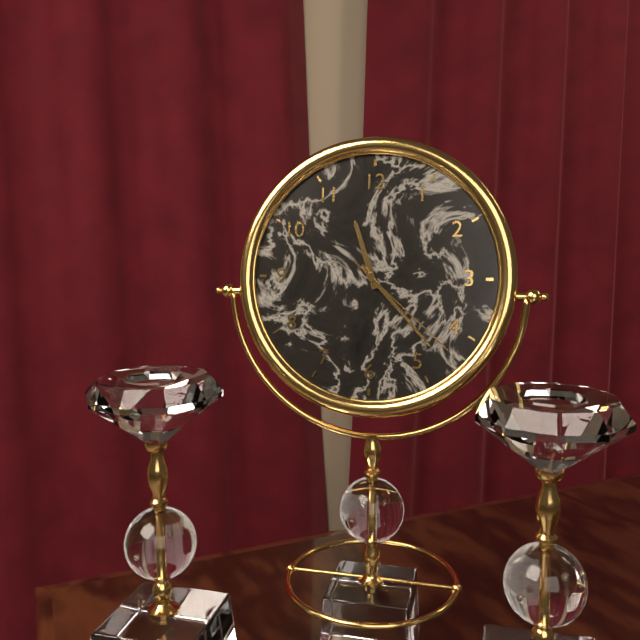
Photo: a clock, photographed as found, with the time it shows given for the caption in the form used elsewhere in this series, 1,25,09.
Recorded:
11,23,22
